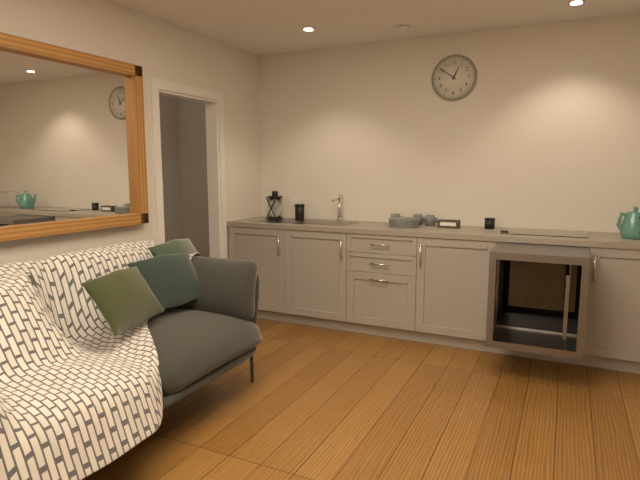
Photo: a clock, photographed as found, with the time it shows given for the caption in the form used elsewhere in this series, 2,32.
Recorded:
12,51
